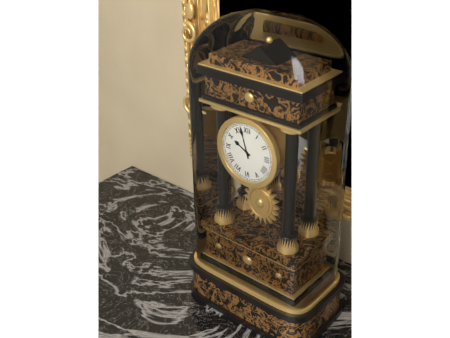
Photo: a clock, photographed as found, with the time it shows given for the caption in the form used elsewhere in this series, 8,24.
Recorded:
9,57
